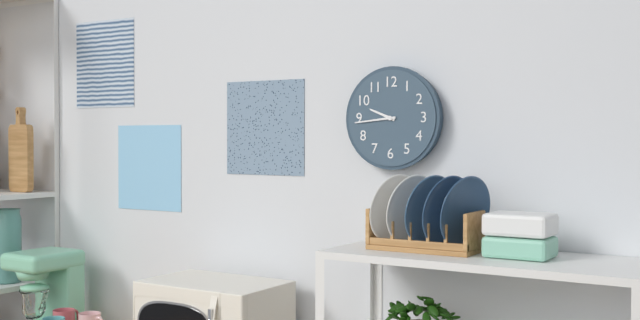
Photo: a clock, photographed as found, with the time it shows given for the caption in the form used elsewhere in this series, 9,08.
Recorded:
9,44
